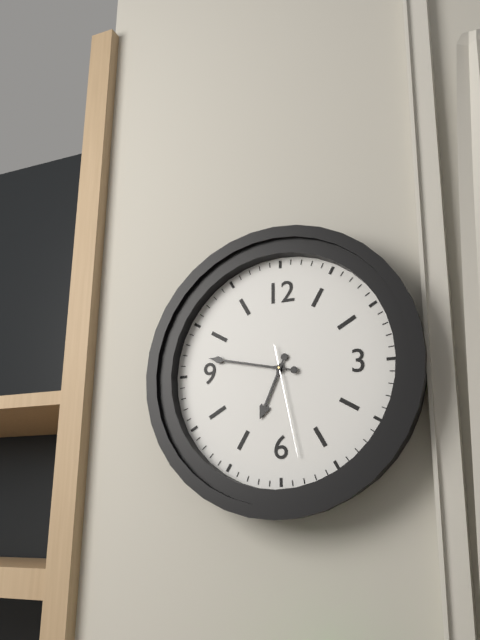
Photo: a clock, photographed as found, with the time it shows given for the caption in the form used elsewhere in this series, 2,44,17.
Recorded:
6,47,28
